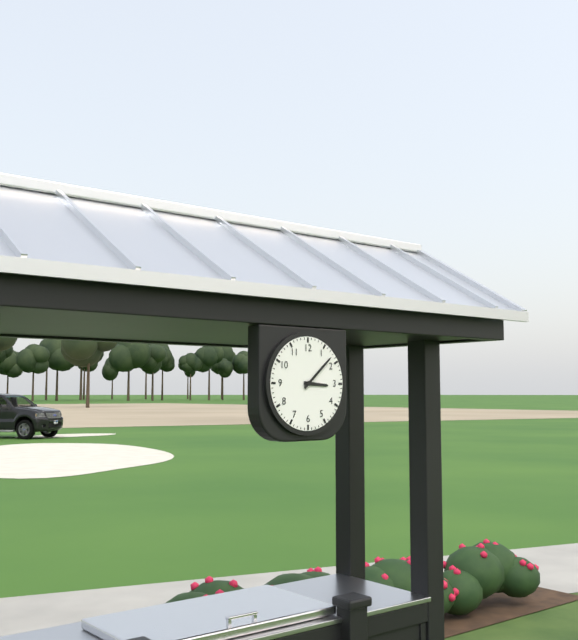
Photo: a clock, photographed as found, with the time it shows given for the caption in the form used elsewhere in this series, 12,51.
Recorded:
3,08
